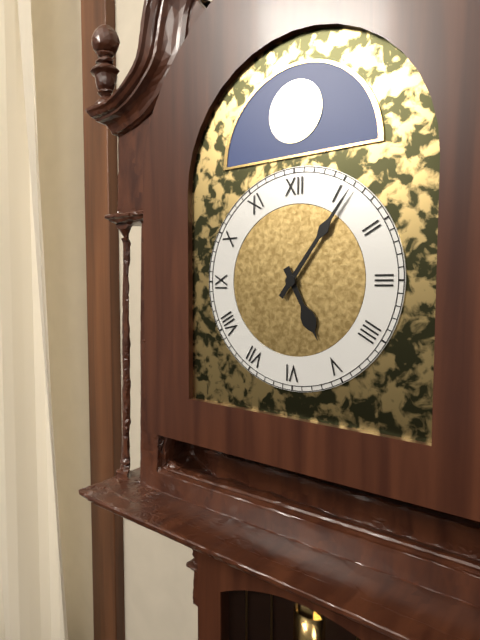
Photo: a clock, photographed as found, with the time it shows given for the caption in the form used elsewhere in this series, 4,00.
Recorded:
5,06
